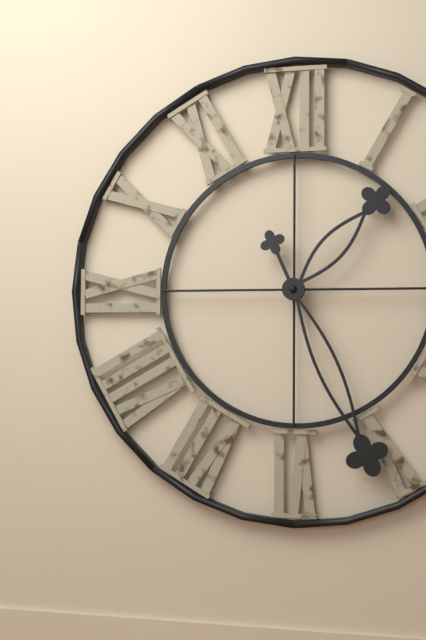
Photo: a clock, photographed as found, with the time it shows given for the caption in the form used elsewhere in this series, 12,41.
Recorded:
1,26
